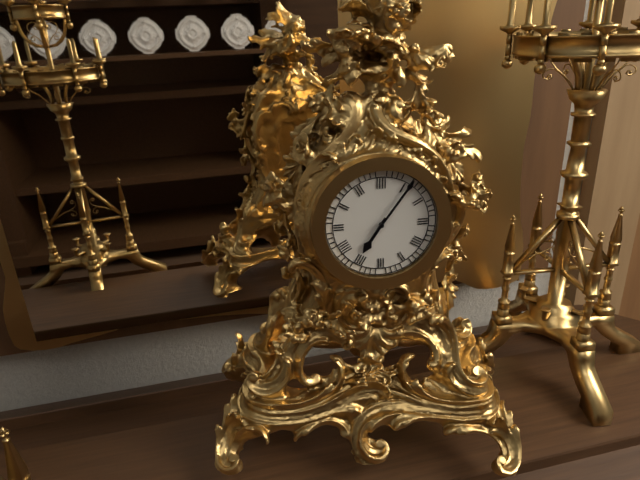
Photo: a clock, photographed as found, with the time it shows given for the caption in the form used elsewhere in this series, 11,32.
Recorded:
7,06
